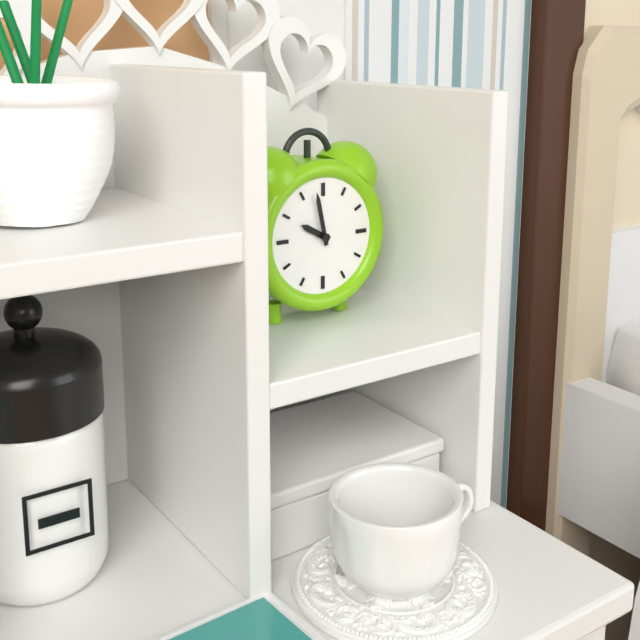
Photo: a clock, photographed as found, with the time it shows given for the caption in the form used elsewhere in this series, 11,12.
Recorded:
9,58
